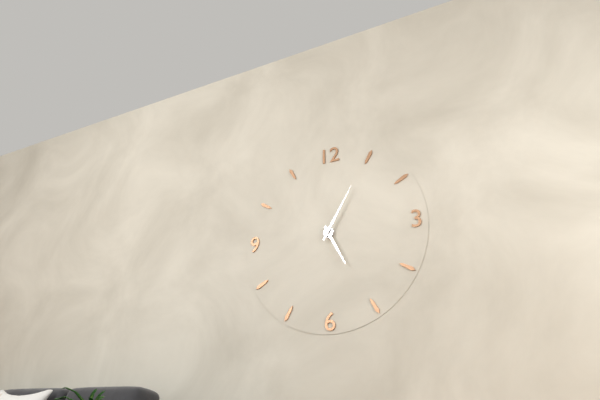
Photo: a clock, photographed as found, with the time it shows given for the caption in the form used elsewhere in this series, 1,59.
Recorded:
5,05
